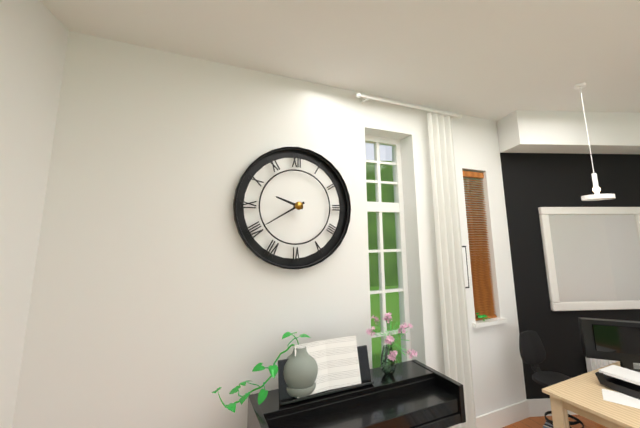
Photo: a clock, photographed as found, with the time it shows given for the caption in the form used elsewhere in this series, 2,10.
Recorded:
9,40
